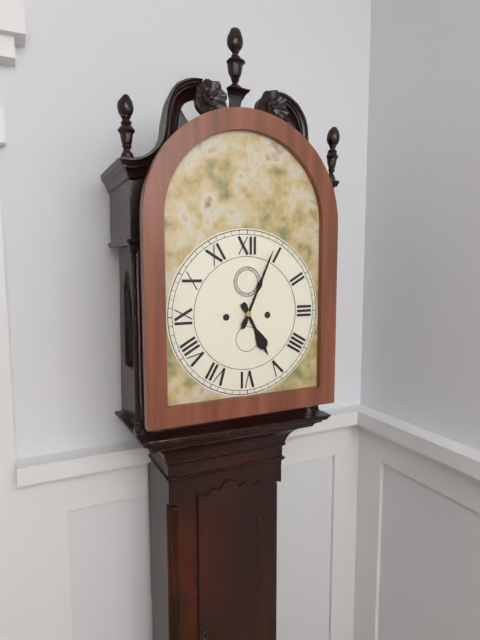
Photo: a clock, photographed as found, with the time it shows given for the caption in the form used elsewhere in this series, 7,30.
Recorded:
5,04
